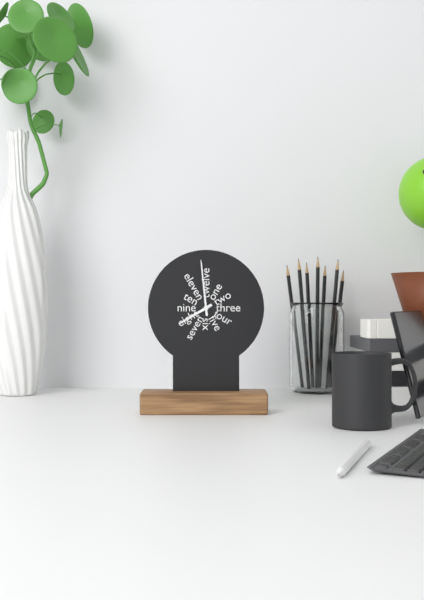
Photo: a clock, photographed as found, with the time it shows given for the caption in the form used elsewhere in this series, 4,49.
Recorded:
7,59
